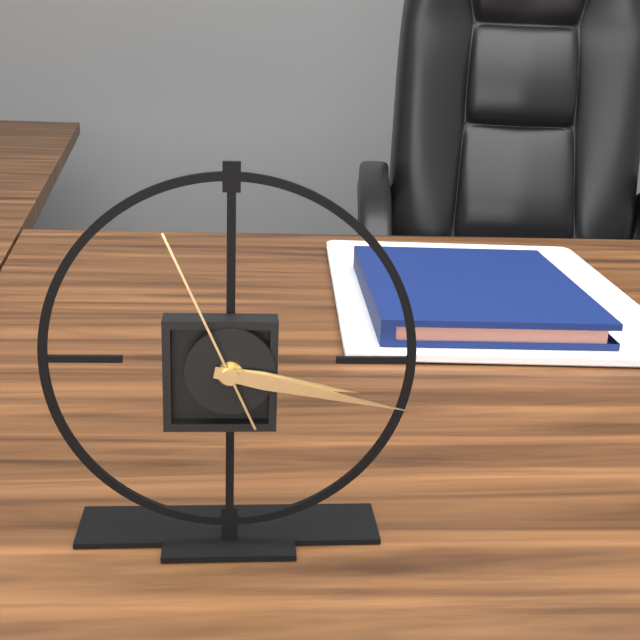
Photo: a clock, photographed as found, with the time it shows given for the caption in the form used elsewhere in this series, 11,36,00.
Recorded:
3,17,56
